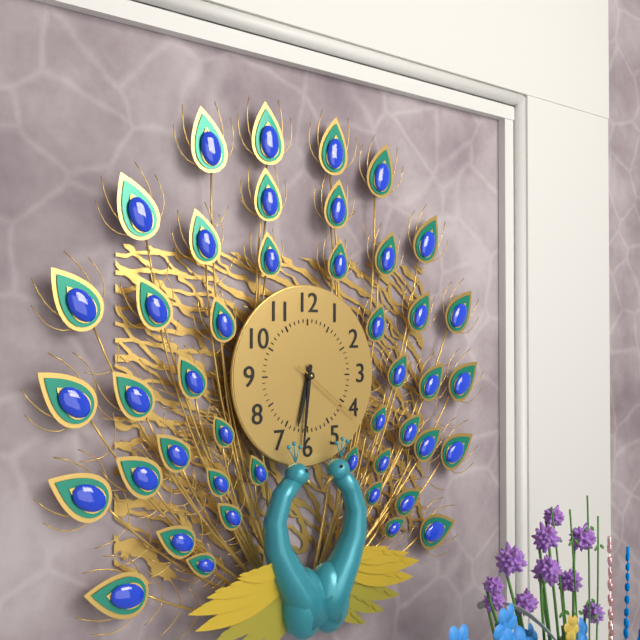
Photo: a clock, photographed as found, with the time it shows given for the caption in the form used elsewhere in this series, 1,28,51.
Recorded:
6,31,21
